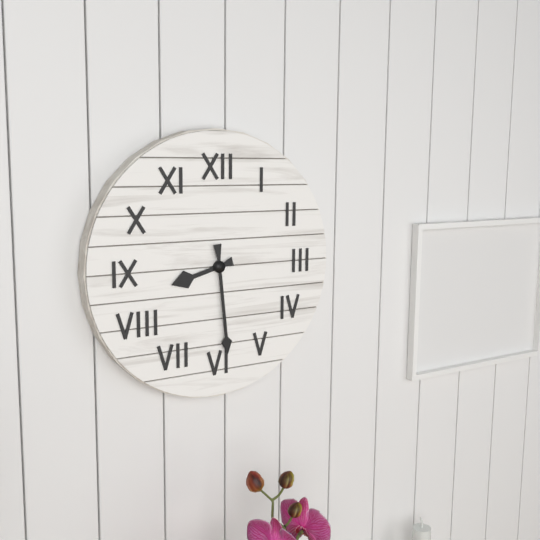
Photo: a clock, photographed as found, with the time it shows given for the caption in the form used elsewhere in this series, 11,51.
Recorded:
8,29
